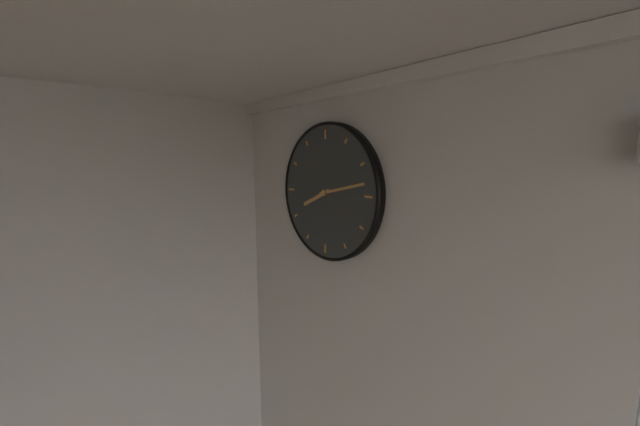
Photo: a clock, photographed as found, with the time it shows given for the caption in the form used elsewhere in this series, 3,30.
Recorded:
8,13
